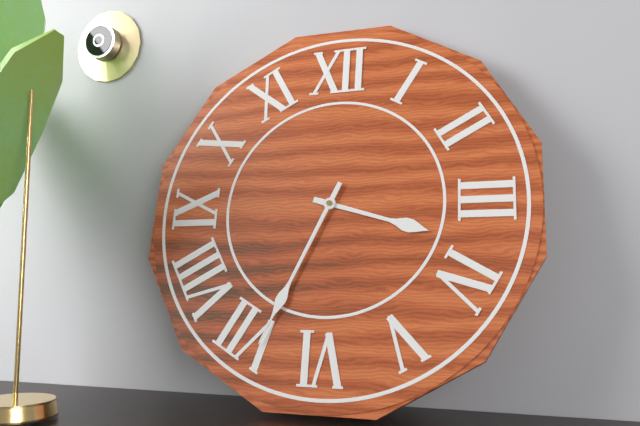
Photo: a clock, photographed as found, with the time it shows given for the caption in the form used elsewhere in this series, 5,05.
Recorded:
3,34
